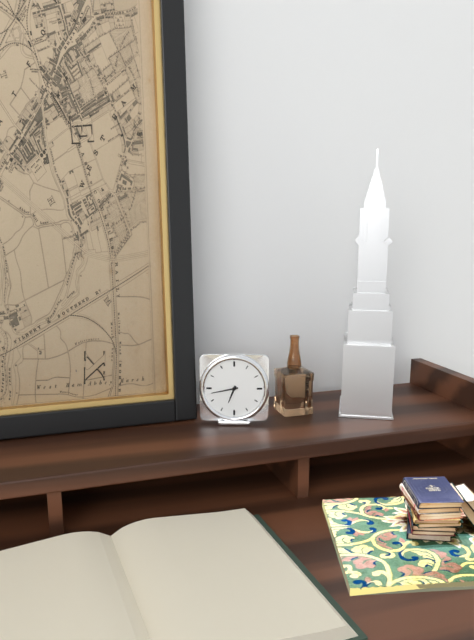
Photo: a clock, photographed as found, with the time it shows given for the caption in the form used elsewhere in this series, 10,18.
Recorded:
6,43
